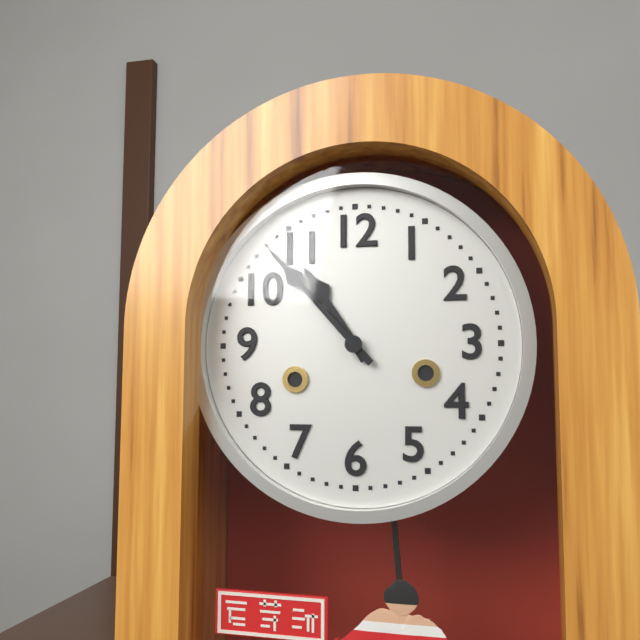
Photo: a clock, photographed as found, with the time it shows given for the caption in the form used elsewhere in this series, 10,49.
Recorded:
10,53
